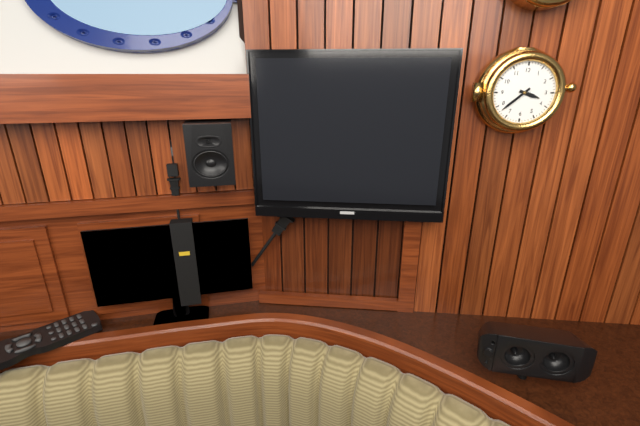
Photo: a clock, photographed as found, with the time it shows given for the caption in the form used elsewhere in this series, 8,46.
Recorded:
3,38
